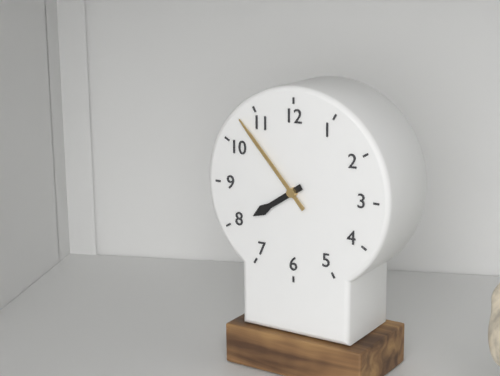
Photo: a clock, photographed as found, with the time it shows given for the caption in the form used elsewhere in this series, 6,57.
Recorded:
7,53
